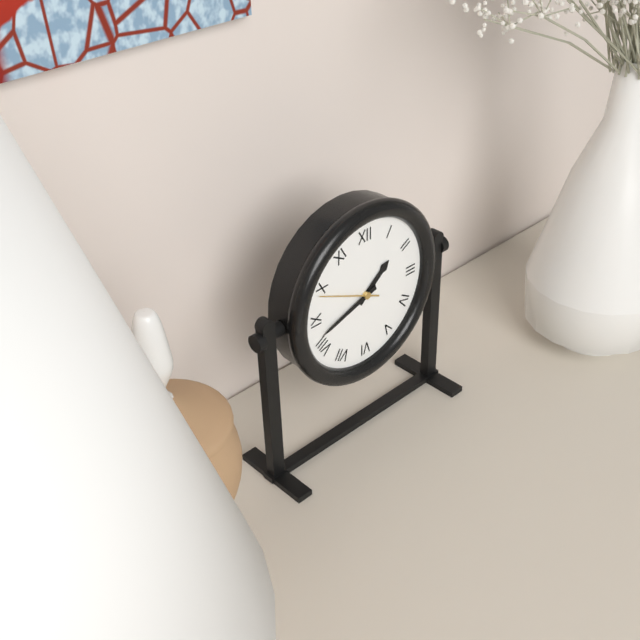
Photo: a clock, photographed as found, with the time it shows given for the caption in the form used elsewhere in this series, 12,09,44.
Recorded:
1,42,49
